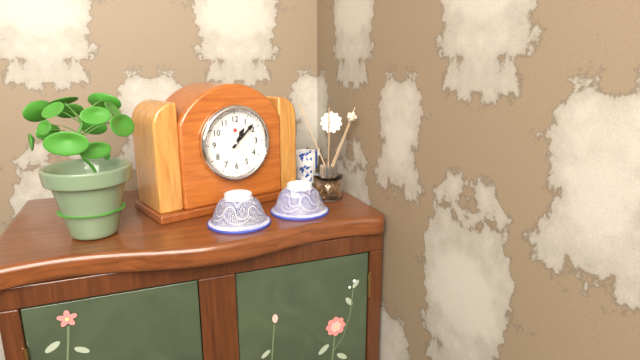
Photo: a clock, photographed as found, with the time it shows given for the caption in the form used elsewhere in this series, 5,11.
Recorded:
1,08
